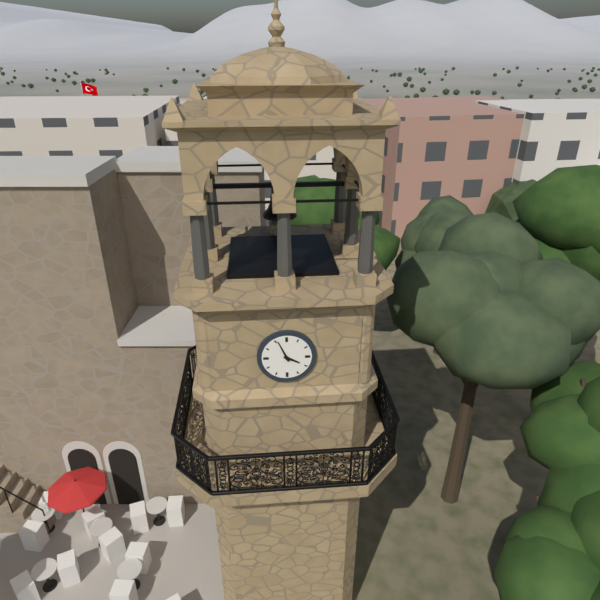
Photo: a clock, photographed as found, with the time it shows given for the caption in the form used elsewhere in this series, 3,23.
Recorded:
3,56
